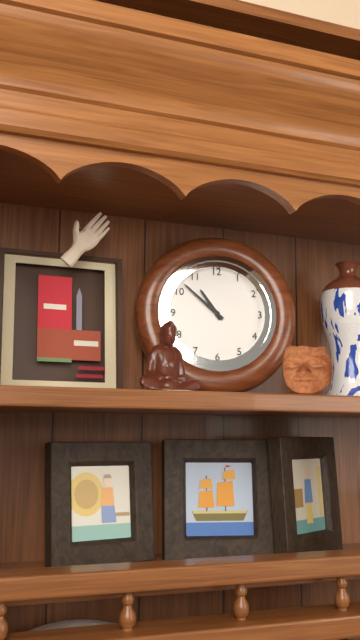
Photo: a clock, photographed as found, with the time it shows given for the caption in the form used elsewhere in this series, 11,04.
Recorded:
10,52
